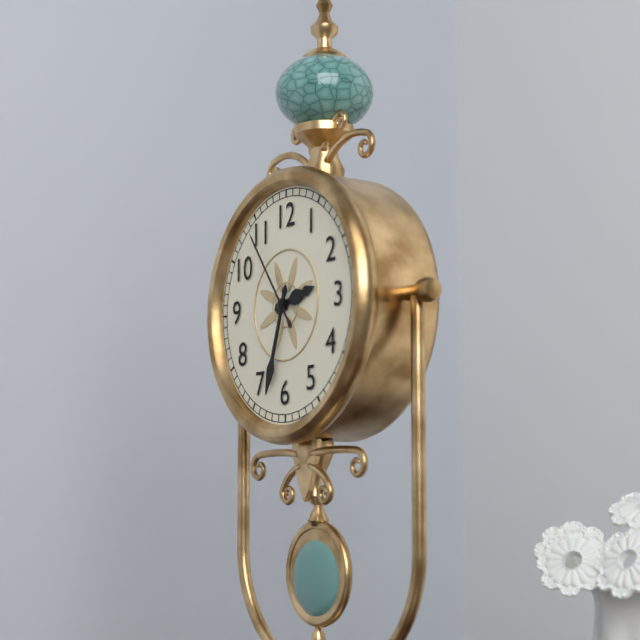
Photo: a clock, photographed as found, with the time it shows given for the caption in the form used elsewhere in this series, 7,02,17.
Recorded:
2,33,54
